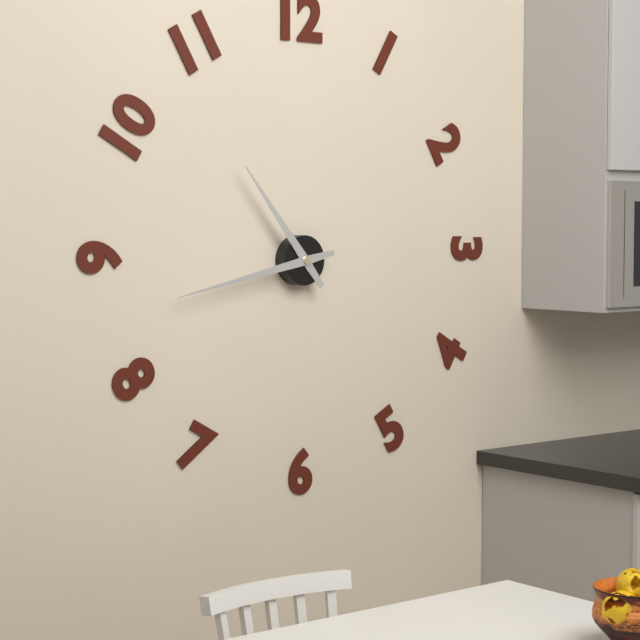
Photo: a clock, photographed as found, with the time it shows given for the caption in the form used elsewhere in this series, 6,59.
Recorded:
10,43
